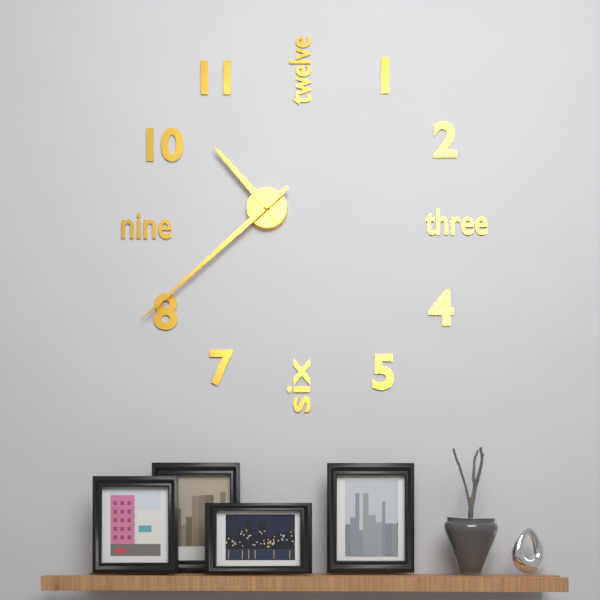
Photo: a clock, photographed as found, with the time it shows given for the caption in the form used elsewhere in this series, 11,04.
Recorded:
10,38
